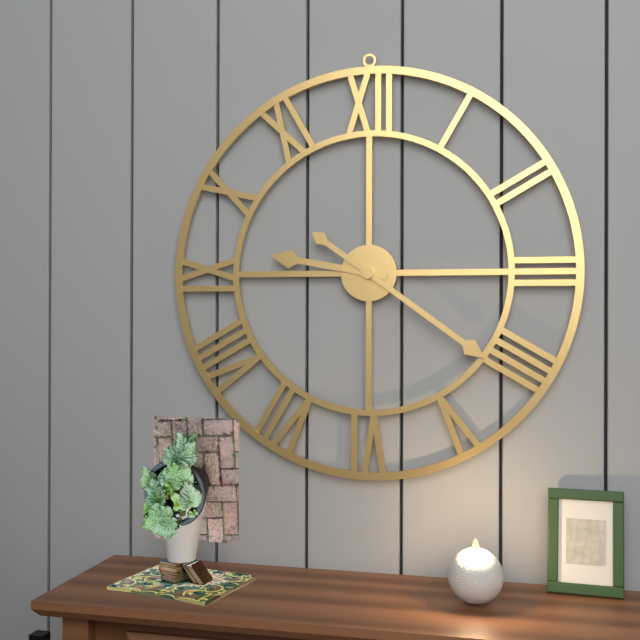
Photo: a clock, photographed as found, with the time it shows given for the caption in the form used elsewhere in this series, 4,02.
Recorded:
9,21
